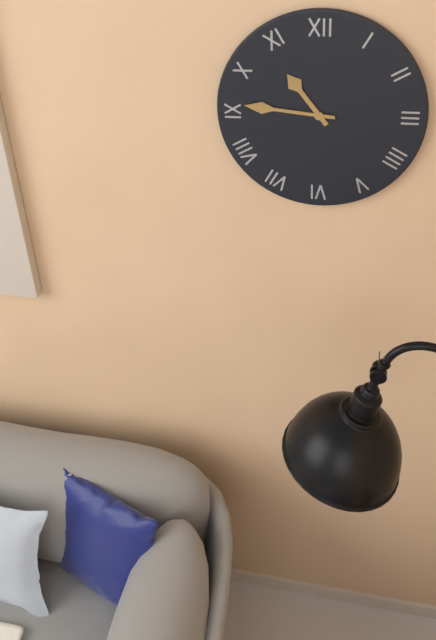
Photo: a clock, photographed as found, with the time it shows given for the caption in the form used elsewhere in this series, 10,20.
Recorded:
10,46
